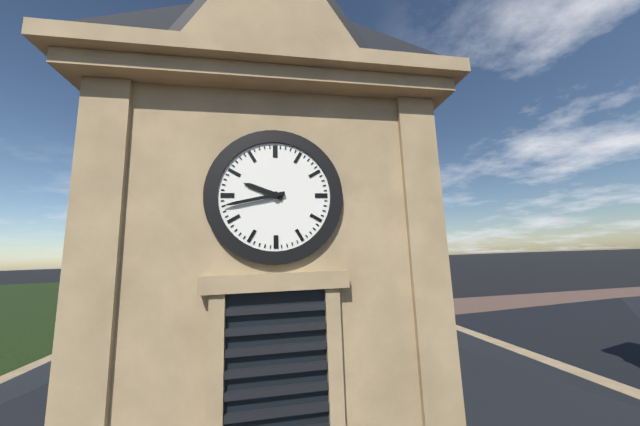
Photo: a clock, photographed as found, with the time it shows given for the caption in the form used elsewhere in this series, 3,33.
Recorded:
9,43
